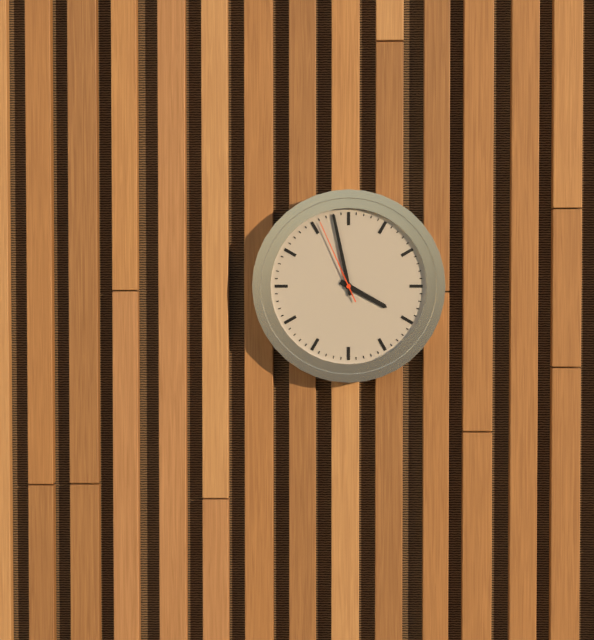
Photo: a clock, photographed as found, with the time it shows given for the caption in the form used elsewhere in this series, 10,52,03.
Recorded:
3,58,56
